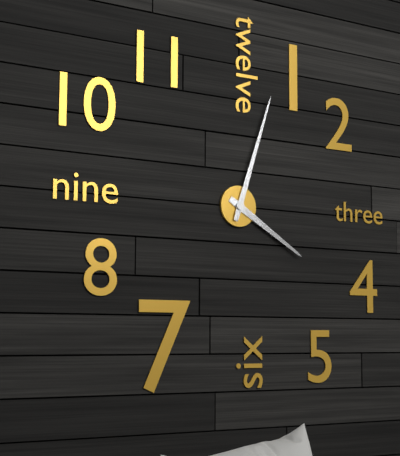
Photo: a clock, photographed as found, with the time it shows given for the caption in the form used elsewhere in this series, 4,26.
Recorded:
4,03
